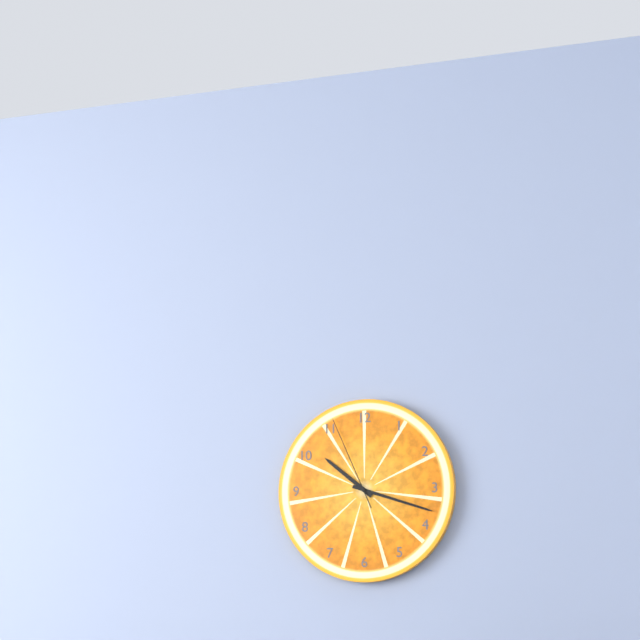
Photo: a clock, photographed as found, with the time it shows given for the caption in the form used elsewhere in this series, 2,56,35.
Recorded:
10,18,56
